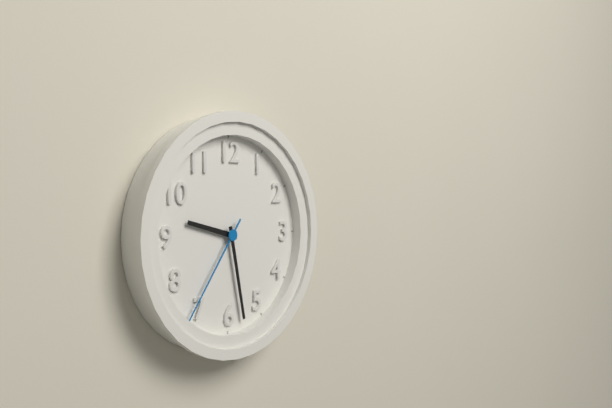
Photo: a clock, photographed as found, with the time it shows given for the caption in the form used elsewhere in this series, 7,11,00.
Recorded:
9,28,36
